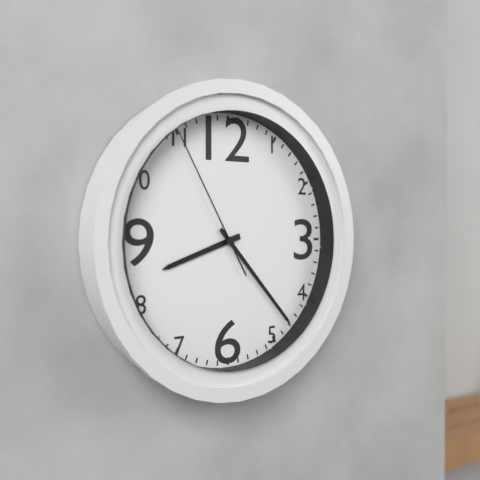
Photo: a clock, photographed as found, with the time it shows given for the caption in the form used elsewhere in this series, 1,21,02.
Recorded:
8,23,55
